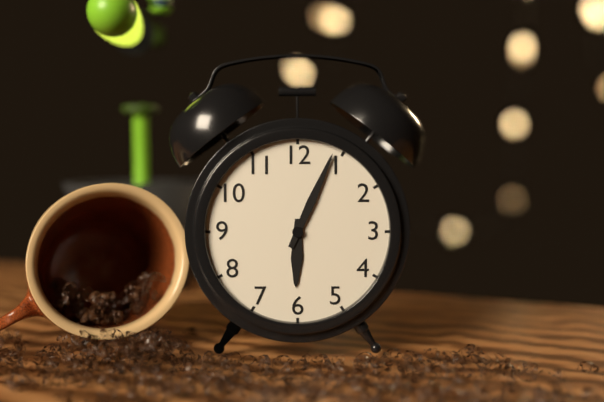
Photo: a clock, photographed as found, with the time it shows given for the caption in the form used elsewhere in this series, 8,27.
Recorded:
6,04
